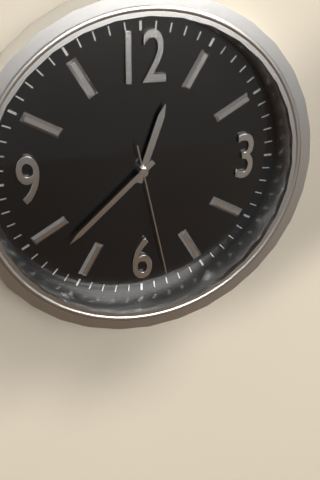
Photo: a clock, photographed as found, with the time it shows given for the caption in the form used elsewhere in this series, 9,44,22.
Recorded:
12,38,28
